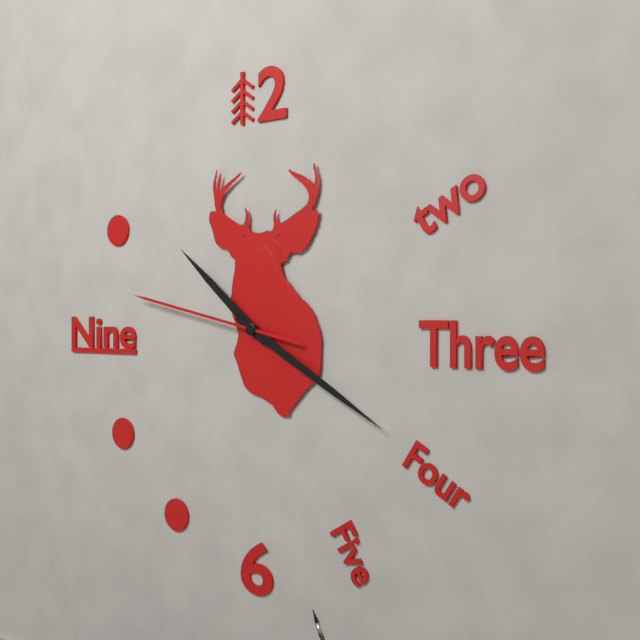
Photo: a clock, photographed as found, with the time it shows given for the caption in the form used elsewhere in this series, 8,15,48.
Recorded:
10,20,47
